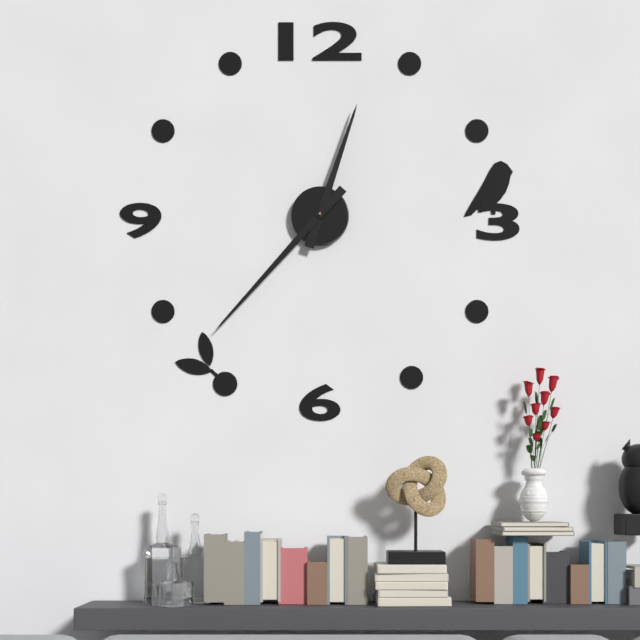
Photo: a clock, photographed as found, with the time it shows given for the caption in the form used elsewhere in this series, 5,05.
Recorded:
12,37
